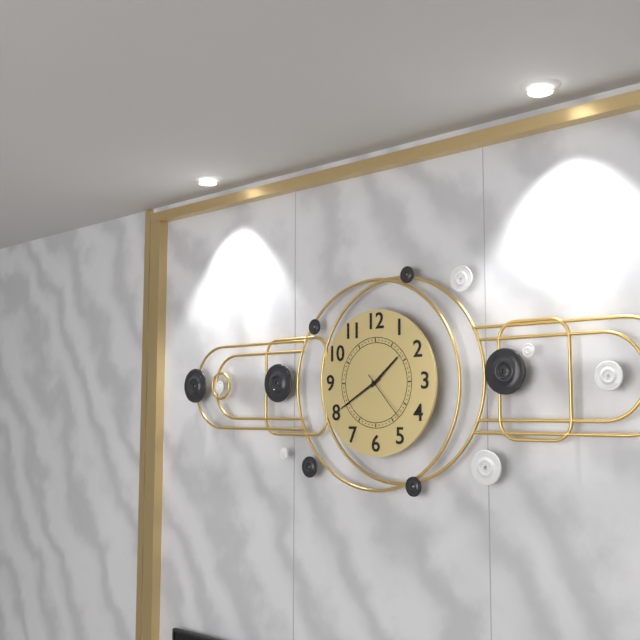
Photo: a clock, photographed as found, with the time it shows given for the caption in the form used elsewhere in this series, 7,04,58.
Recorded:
1,40,23
